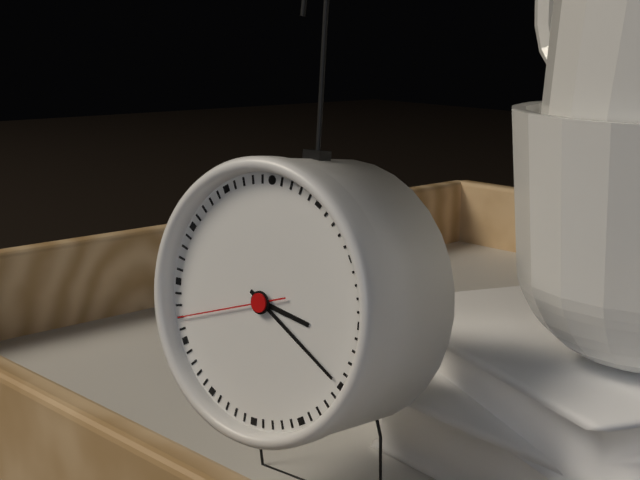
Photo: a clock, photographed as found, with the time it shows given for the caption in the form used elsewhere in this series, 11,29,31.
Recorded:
3,20,42
